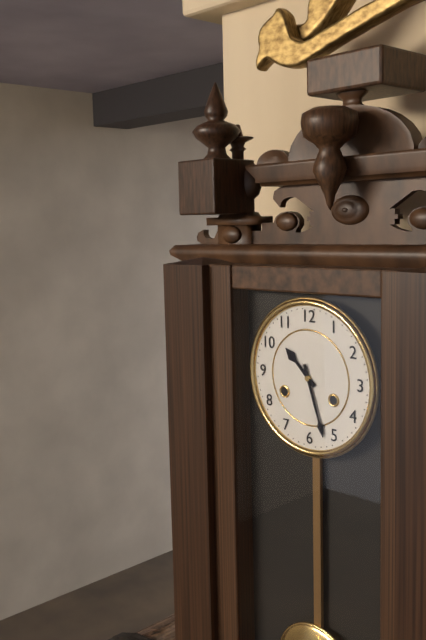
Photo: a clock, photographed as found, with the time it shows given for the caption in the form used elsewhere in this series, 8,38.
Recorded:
10,27
